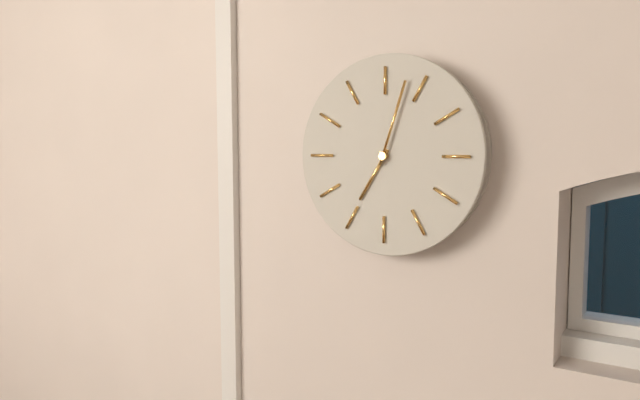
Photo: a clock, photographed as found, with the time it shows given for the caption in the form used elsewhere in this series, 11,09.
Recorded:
7,03
